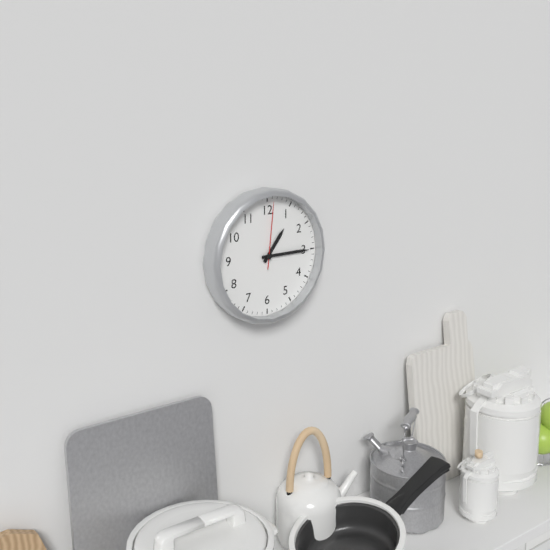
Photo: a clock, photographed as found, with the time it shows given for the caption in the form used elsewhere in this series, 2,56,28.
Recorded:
1,15,01
